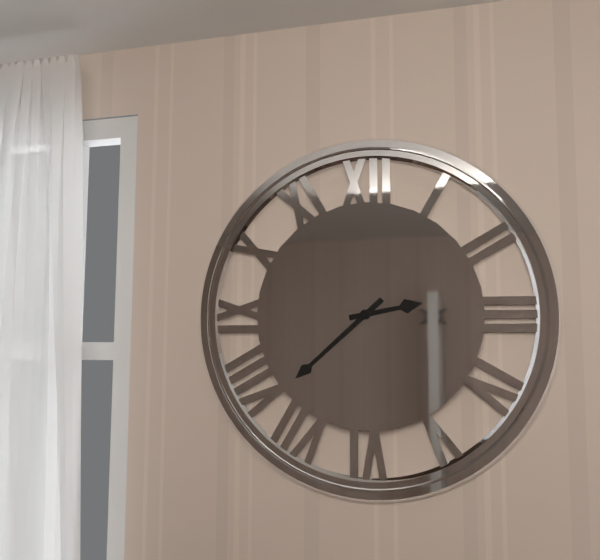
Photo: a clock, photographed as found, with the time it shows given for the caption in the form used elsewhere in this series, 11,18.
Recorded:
2,38
